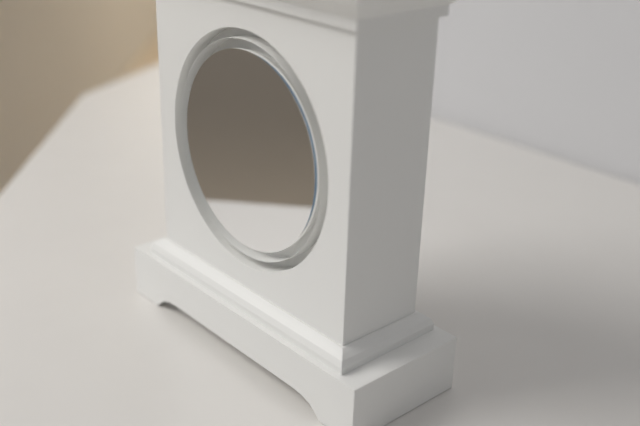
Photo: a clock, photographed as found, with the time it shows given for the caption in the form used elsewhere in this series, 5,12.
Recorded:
10,37
